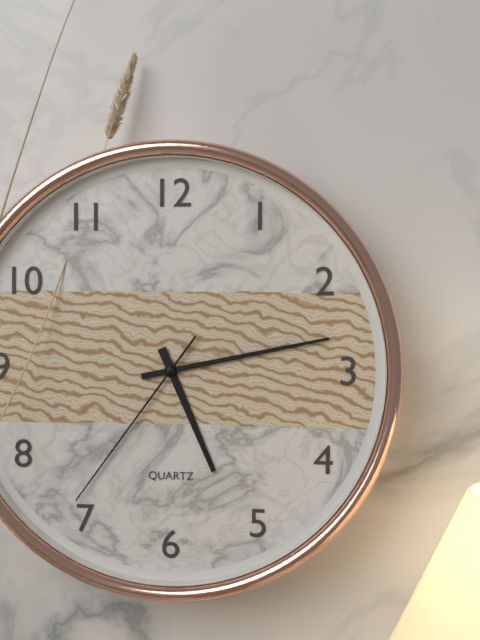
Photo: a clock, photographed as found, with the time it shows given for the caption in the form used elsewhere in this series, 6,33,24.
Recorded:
5,13,36
